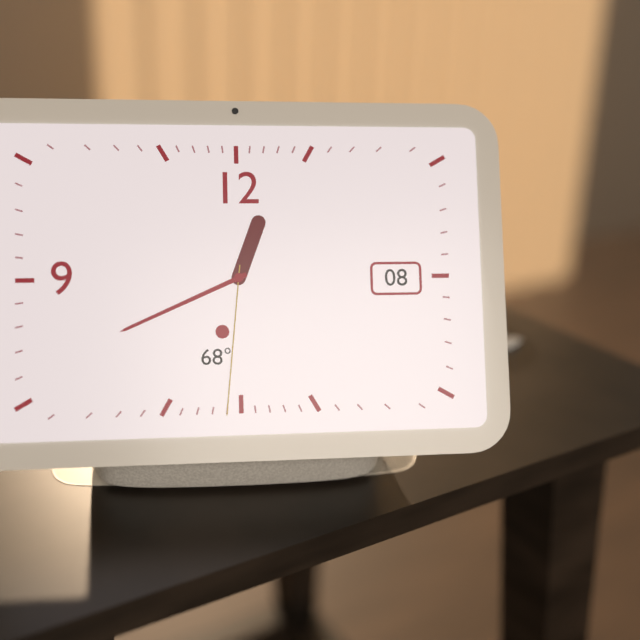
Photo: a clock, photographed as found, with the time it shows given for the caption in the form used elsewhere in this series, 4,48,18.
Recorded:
12,41,31
